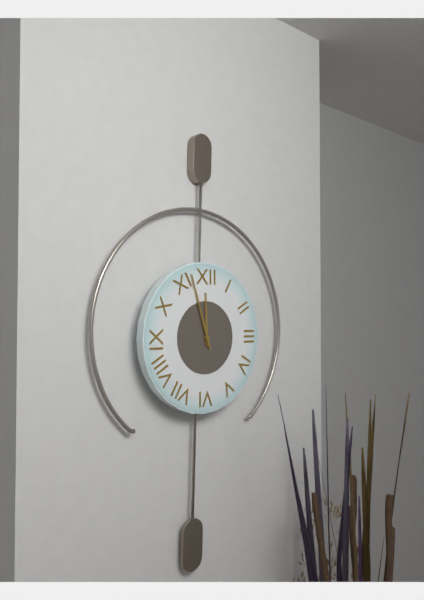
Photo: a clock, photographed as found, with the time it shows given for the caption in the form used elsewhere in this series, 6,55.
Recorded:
11,57
